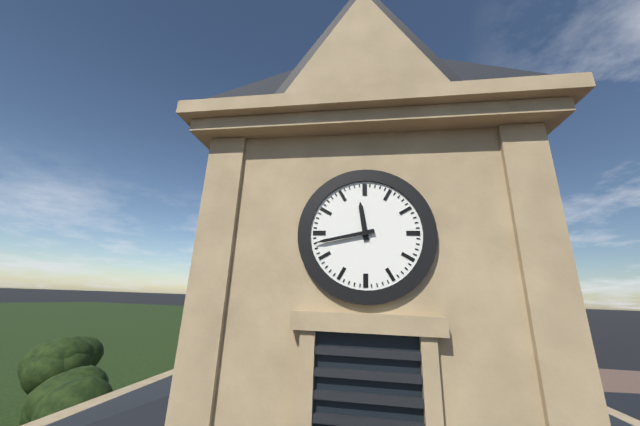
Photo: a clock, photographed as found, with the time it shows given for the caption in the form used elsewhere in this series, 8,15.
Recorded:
11,43
